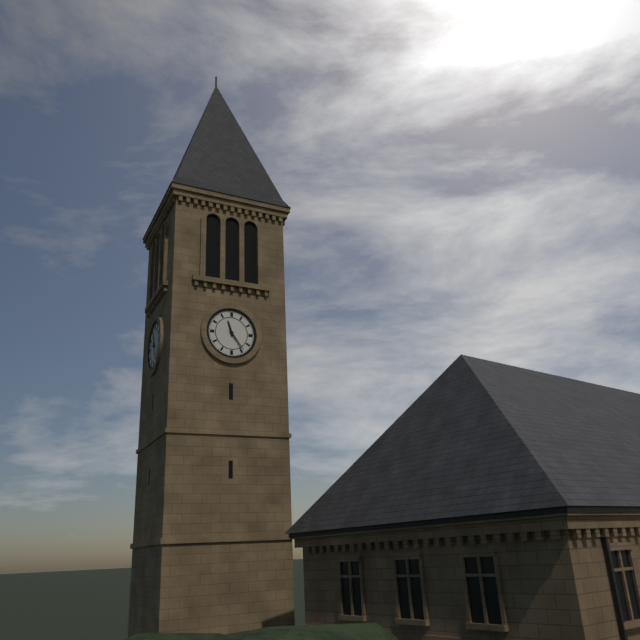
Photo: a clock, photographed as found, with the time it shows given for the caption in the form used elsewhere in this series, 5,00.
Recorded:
11,24
